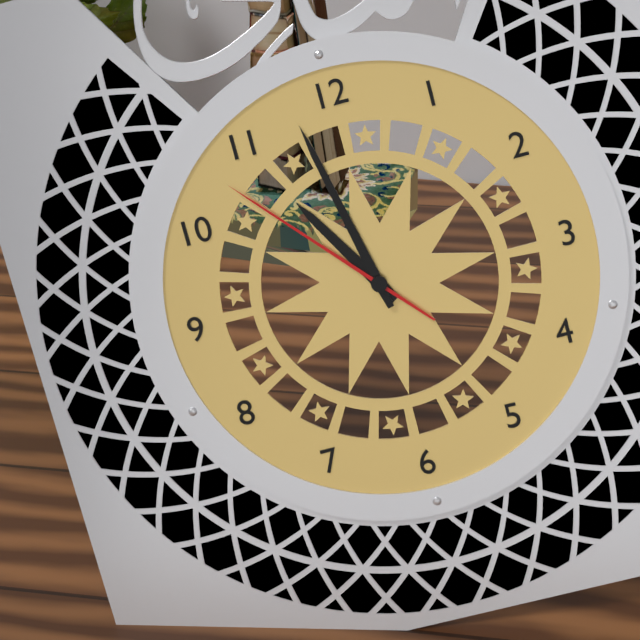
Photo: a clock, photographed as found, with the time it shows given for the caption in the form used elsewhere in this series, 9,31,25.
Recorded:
10,58,53
